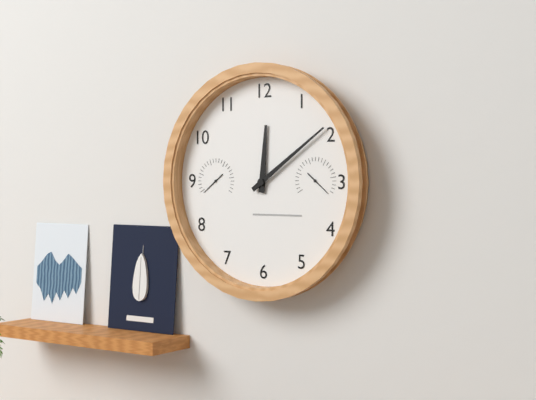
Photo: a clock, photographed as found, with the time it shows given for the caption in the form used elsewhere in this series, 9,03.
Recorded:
12,09
